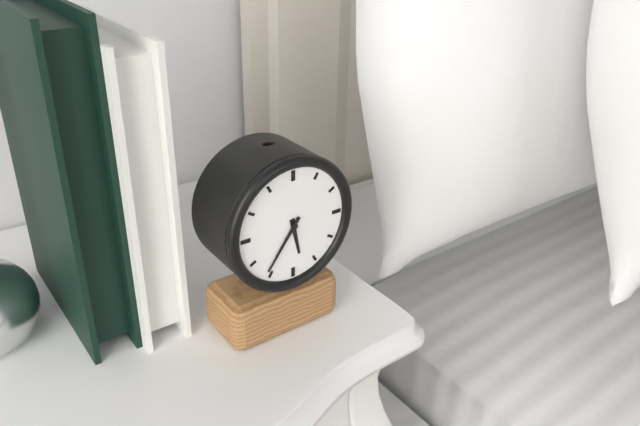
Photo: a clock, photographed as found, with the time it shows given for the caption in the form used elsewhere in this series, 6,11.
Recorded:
5,36
